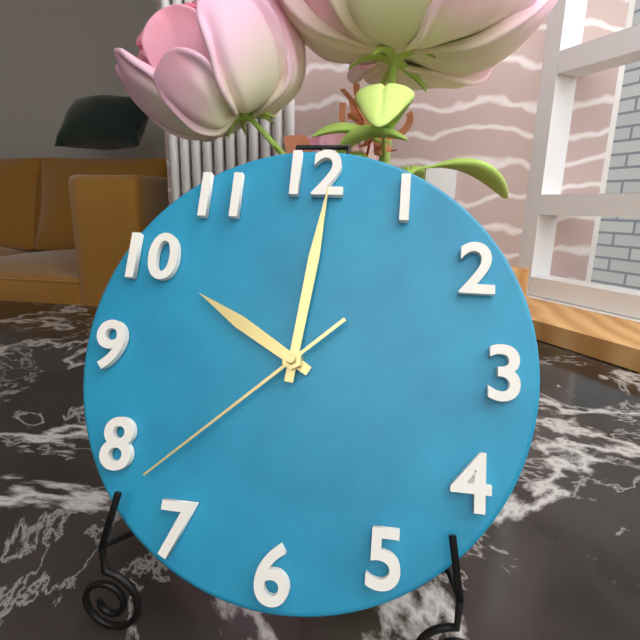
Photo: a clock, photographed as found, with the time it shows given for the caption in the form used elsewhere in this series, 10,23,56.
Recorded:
10,01,38
